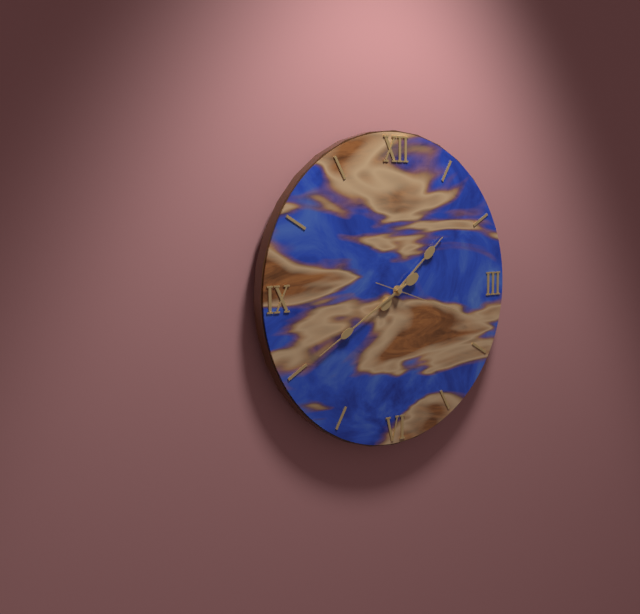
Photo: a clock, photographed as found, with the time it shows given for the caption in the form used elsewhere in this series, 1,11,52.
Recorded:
1,40,18
